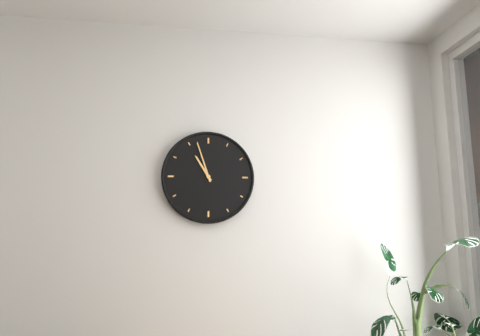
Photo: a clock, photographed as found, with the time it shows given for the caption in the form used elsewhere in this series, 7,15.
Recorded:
10,57
